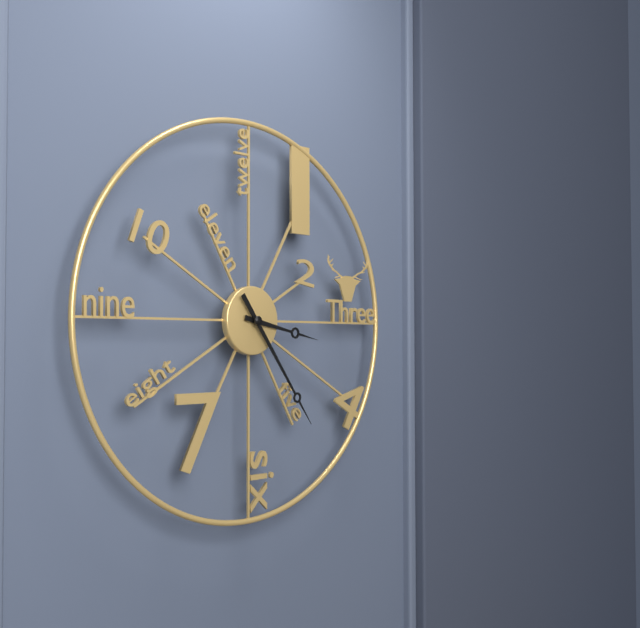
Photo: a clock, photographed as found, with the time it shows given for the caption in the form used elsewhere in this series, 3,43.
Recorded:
3,24
